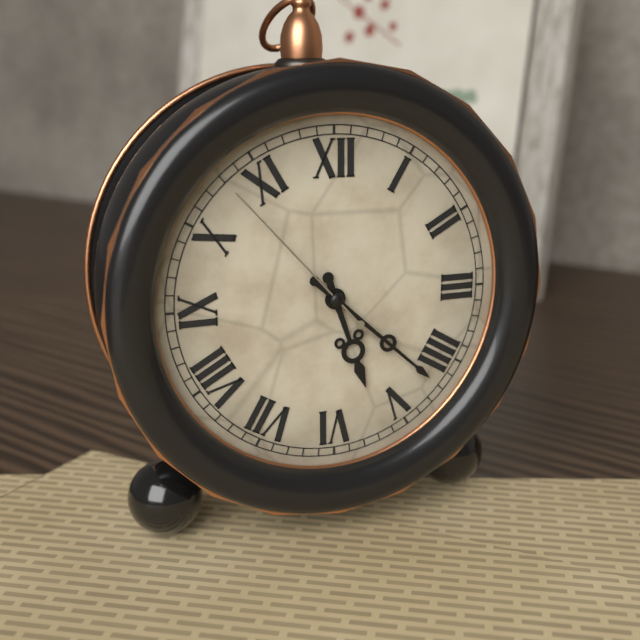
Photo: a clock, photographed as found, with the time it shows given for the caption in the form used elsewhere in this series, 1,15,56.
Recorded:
5,22,53
